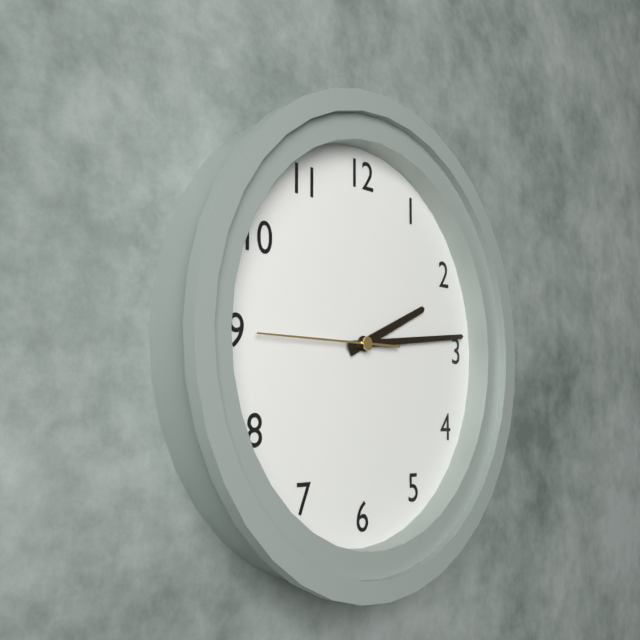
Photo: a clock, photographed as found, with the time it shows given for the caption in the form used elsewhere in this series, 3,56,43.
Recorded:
2,14,45
